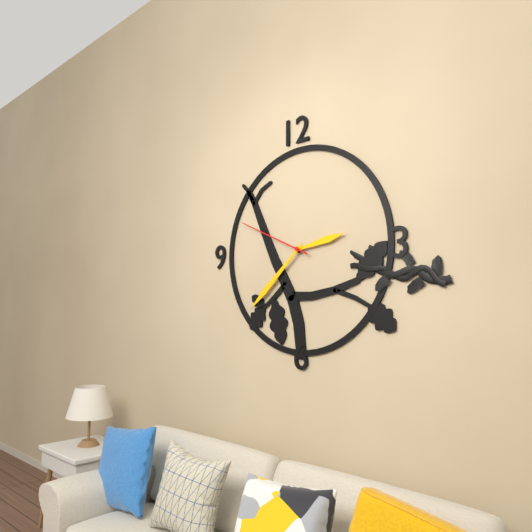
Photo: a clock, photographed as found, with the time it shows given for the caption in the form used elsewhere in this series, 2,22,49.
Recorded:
2,38,49
